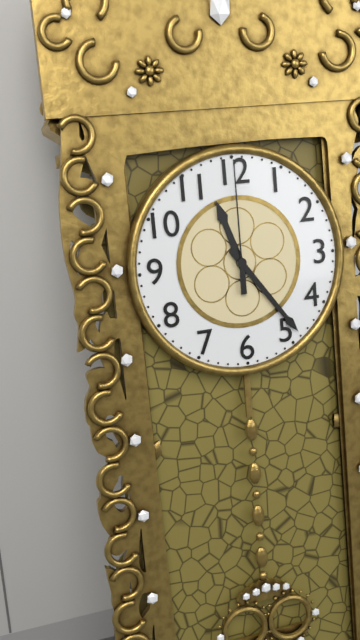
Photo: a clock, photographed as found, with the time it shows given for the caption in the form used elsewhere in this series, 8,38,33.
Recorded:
11,24,00
